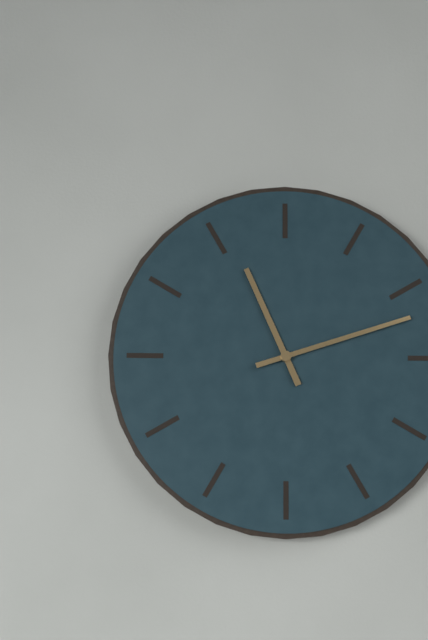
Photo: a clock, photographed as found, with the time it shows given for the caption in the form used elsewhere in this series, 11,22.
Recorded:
11,12
